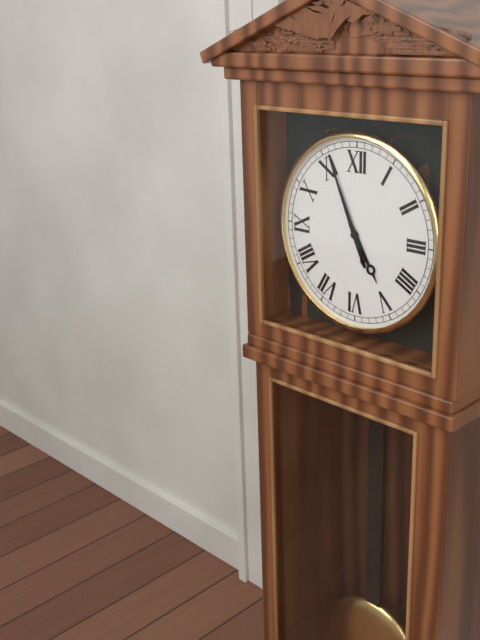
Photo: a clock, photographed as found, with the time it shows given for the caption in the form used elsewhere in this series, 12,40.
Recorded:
4,56
